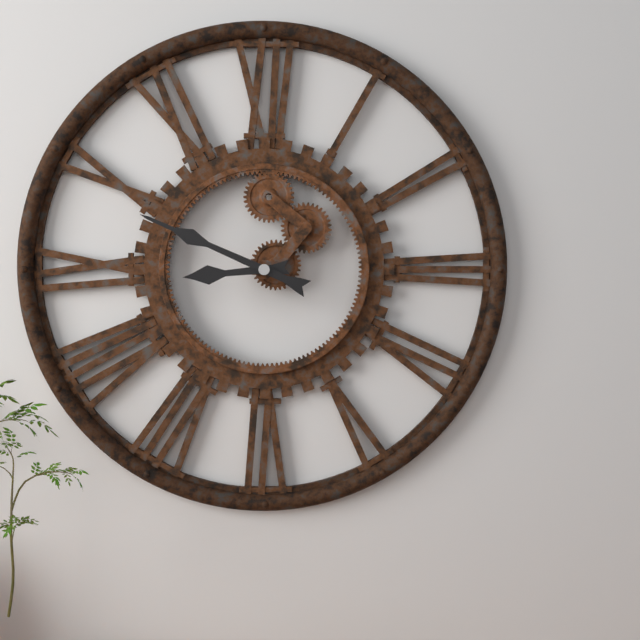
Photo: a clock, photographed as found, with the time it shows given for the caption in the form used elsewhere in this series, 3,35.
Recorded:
8,49
